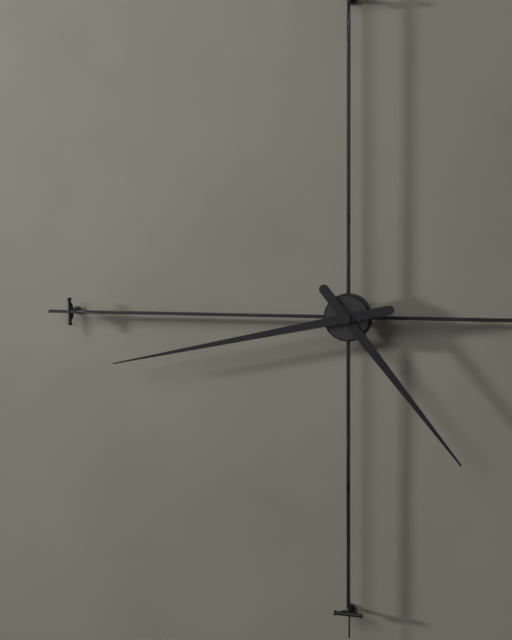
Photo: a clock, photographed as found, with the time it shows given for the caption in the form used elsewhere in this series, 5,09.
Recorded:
4,43
